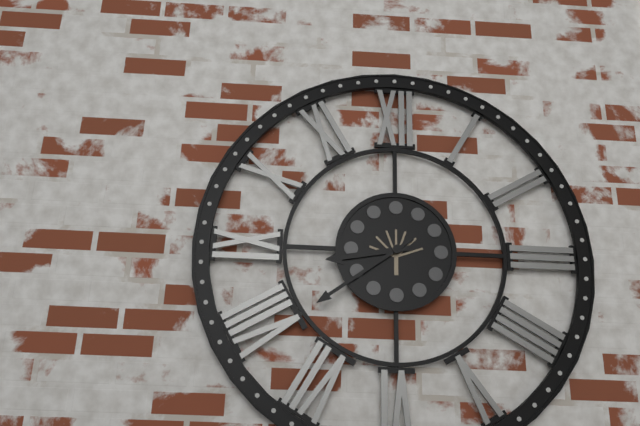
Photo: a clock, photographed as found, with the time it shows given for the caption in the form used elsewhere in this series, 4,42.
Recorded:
8,39
